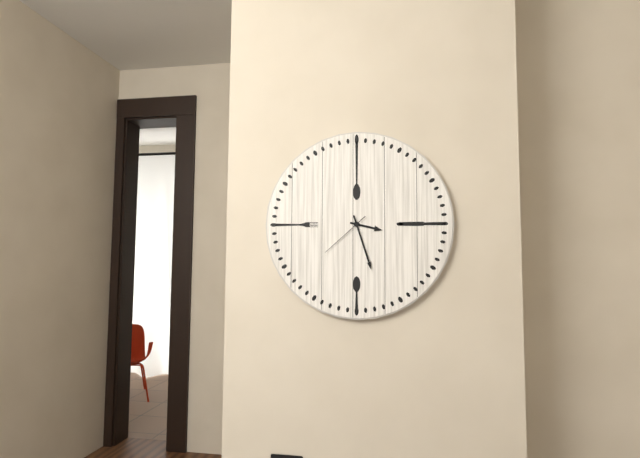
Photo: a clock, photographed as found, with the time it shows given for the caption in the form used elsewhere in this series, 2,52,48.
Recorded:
3,27,38
